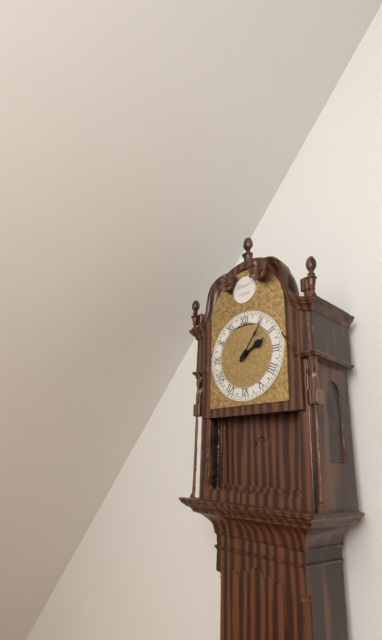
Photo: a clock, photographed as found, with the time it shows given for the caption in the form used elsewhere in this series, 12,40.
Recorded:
2,06
